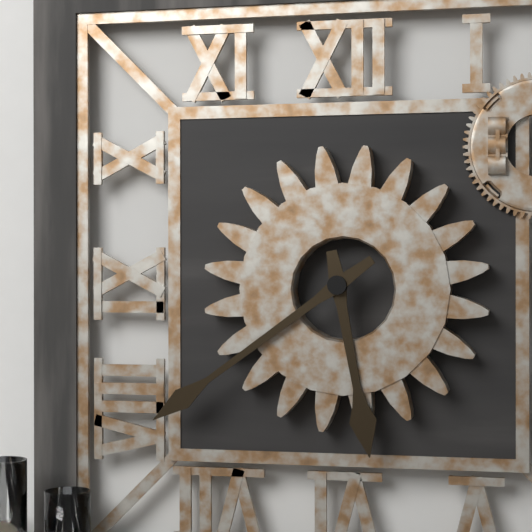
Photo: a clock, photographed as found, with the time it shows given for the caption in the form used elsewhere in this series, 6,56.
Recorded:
5,39
